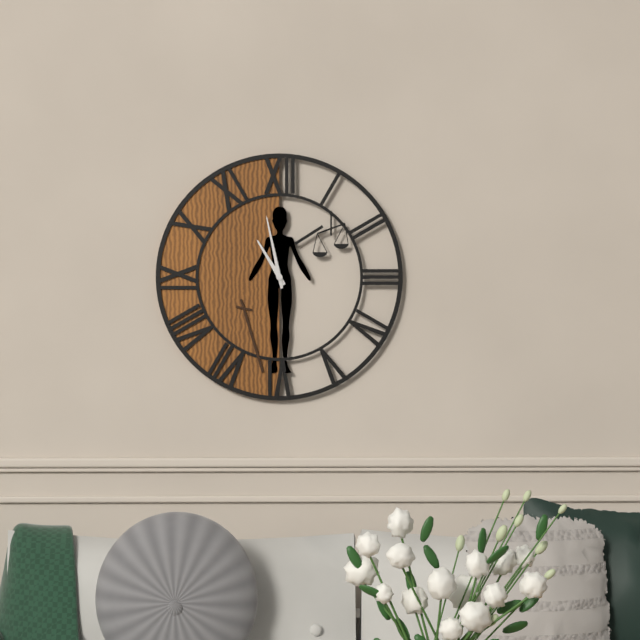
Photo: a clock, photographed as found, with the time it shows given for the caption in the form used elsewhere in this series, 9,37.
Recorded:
10,58
